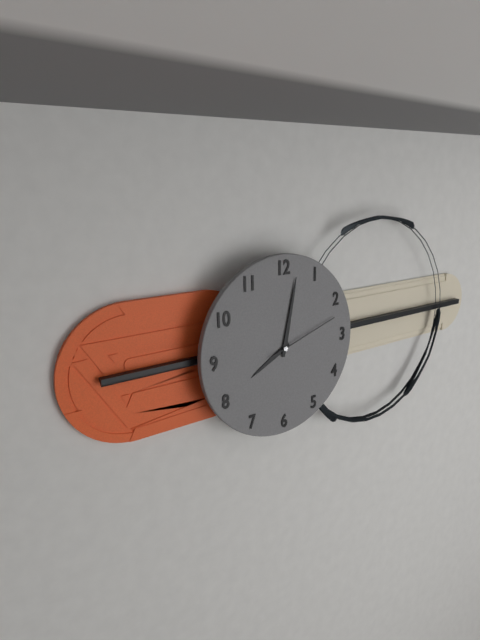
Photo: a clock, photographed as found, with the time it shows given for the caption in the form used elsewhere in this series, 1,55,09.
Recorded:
8,02,12
